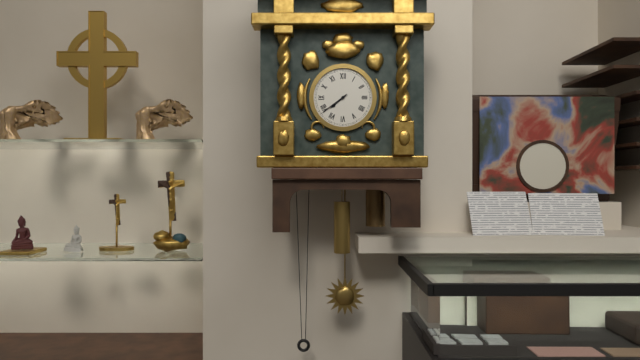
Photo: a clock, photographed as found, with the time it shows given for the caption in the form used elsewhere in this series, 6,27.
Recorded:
7,39
